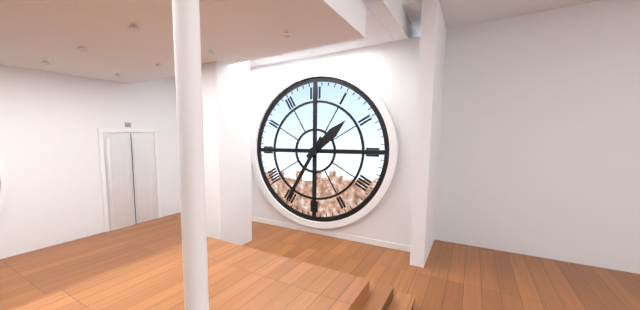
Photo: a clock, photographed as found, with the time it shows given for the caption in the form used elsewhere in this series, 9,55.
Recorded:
1,35
